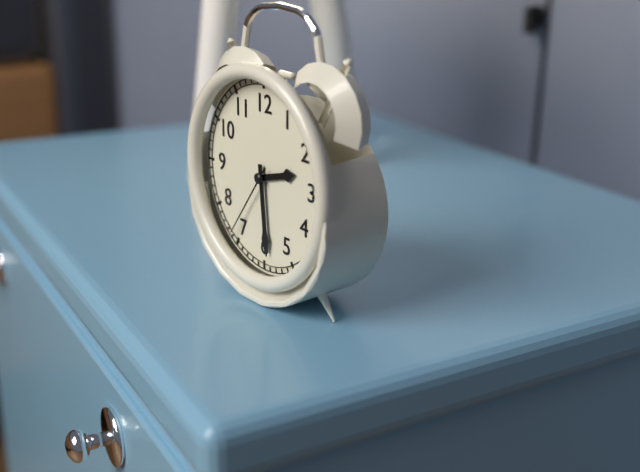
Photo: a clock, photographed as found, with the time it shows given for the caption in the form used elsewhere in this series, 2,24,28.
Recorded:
2,29,36
